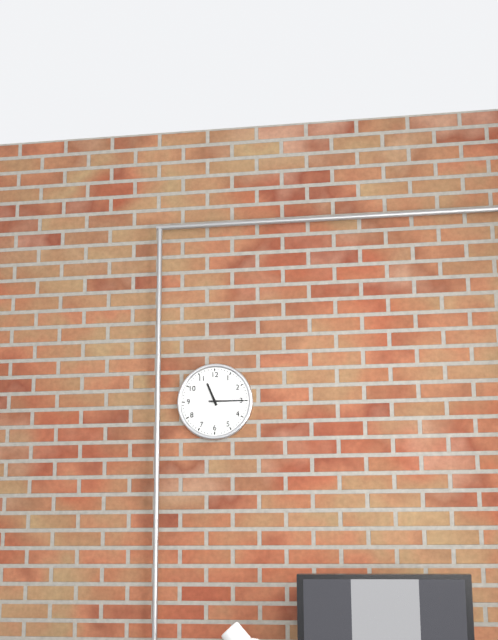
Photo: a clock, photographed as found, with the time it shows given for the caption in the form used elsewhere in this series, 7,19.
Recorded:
11,15
